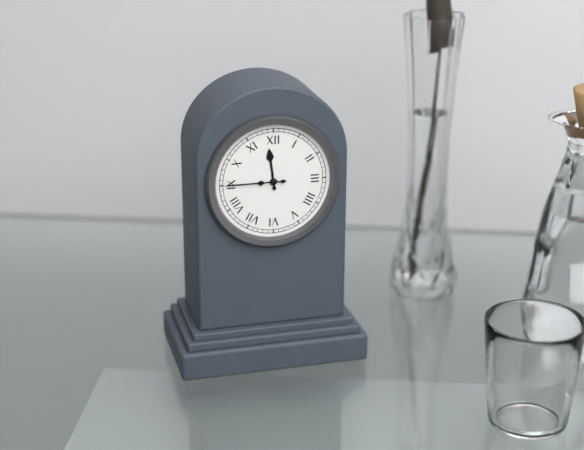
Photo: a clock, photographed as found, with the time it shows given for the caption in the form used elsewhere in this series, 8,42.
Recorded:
11,45
